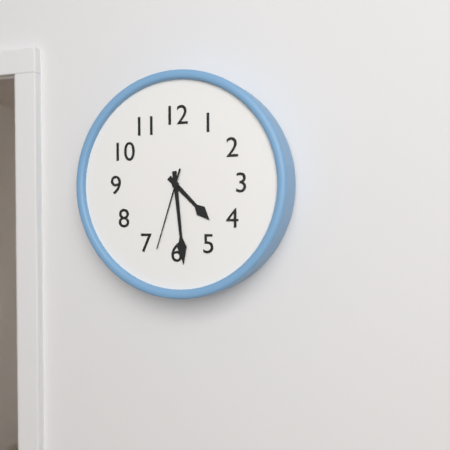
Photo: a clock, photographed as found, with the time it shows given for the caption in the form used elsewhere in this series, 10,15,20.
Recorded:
4,29,33
